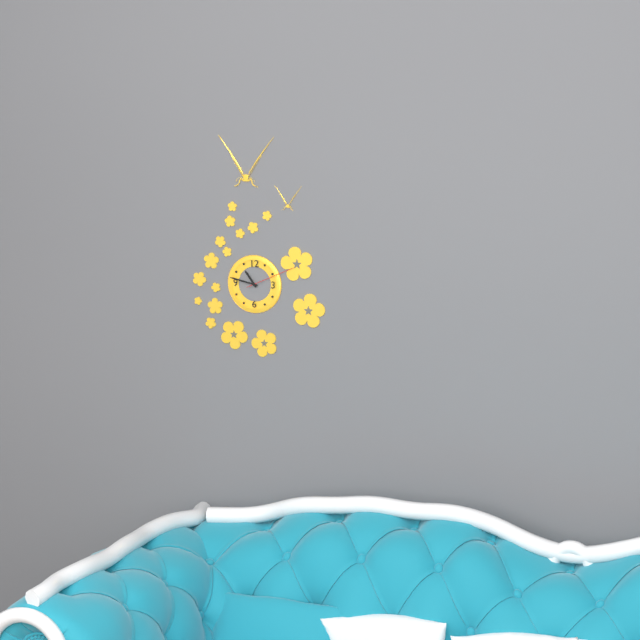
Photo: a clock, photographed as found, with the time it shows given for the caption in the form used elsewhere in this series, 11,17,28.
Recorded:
10,47,11
